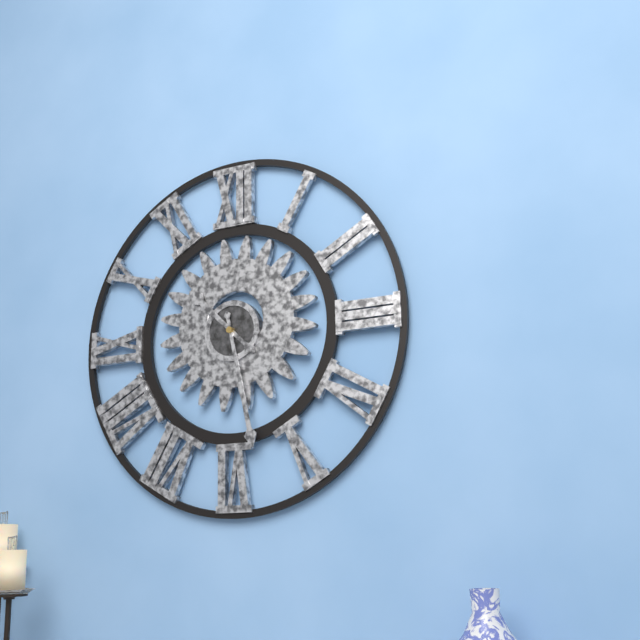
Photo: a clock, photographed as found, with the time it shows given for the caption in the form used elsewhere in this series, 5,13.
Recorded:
10,28
